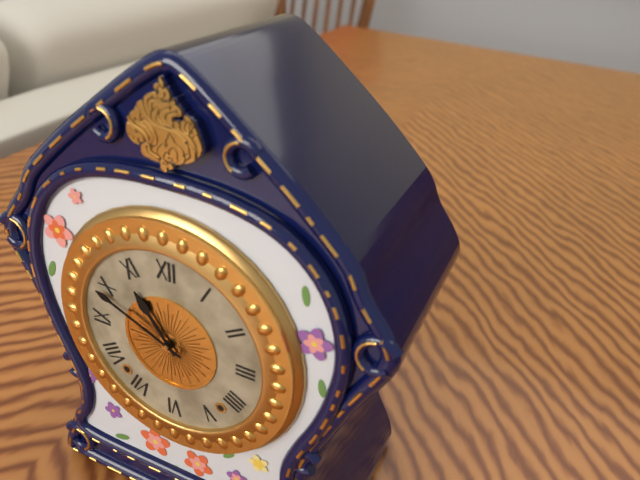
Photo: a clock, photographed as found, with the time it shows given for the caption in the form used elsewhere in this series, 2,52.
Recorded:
10,49
